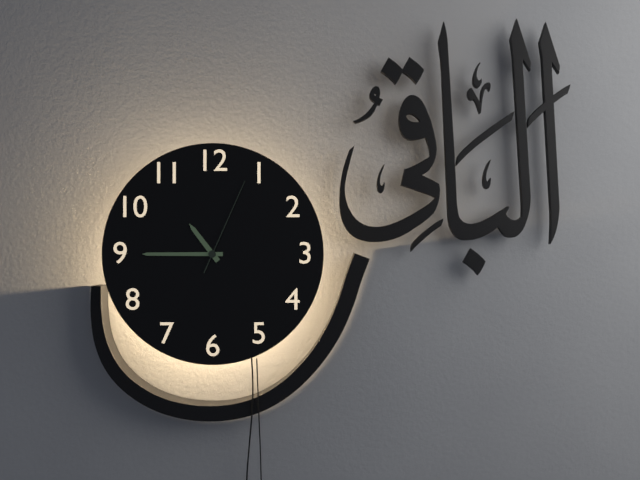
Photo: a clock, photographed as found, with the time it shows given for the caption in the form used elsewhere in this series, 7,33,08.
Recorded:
10,45,04
